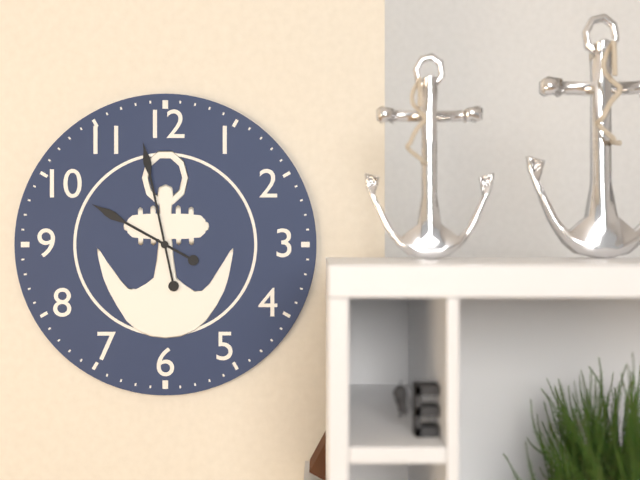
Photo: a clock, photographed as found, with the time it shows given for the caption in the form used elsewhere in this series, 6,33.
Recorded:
9,58
